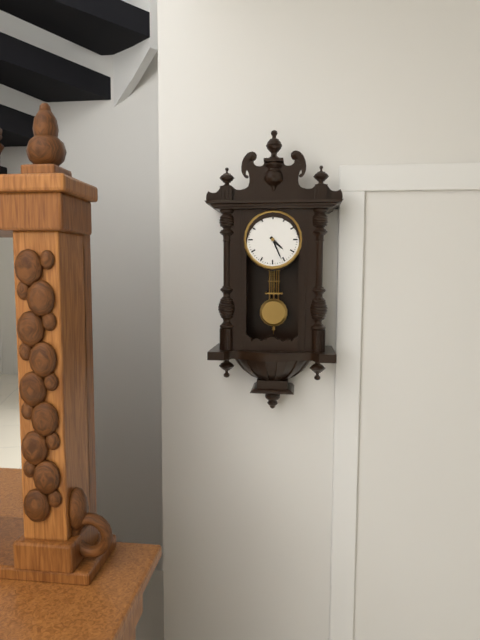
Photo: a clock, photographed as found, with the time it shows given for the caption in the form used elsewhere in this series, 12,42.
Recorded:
4,26
